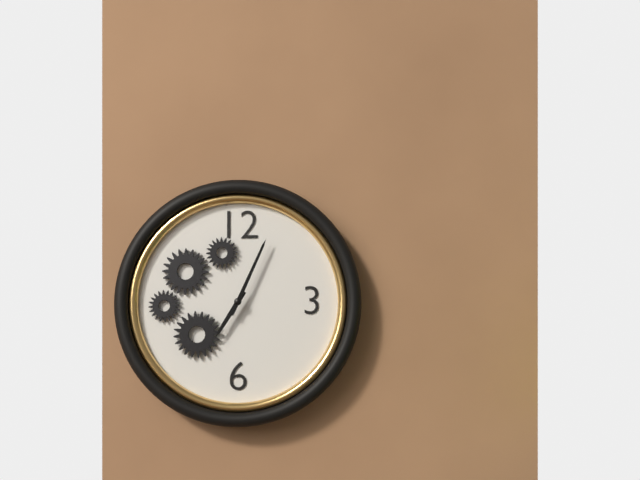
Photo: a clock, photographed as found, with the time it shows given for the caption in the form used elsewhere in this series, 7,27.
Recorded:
7,04
